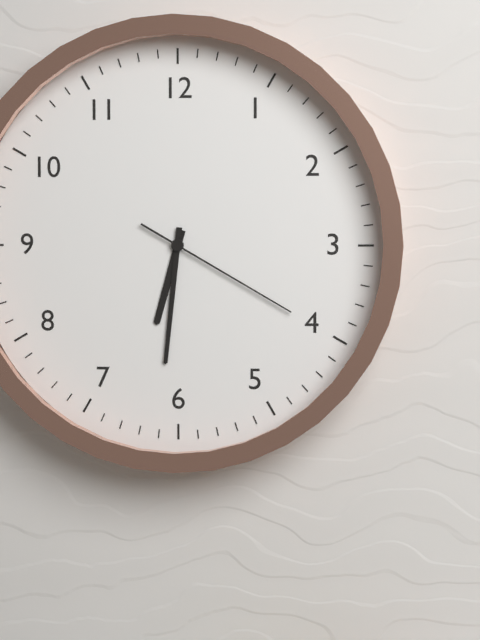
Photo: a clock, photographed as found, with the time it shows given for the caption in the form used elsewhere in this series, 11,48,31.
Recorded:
6,31,20
